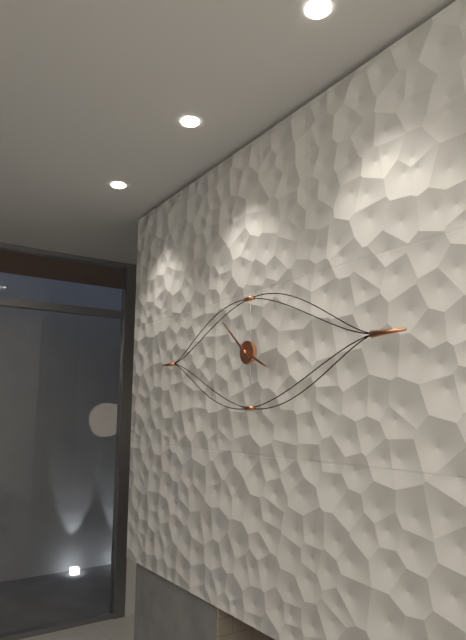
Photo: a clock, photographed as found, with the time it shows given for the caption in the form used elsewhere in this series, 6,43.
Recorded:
3,52
